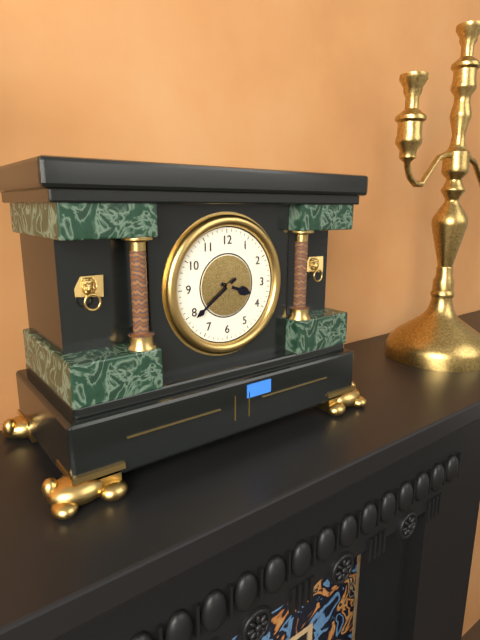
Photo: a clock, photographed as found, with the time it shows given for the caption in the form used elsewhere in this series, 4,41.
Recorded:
3,39
